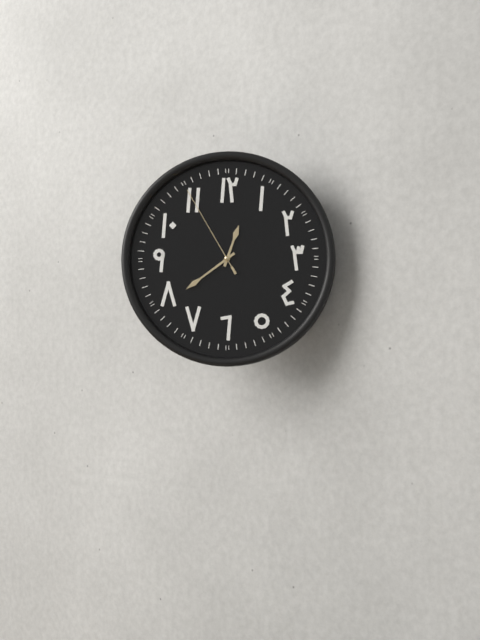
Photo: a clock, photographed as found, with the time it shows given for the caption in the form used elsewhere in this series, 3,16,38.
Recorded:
12,39,55
